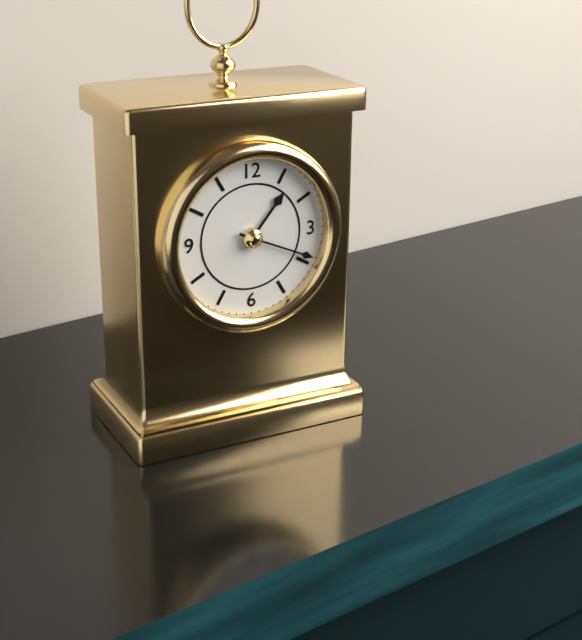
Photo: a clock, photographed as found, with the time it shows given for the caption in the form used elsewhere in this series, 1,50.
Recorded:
1,19
